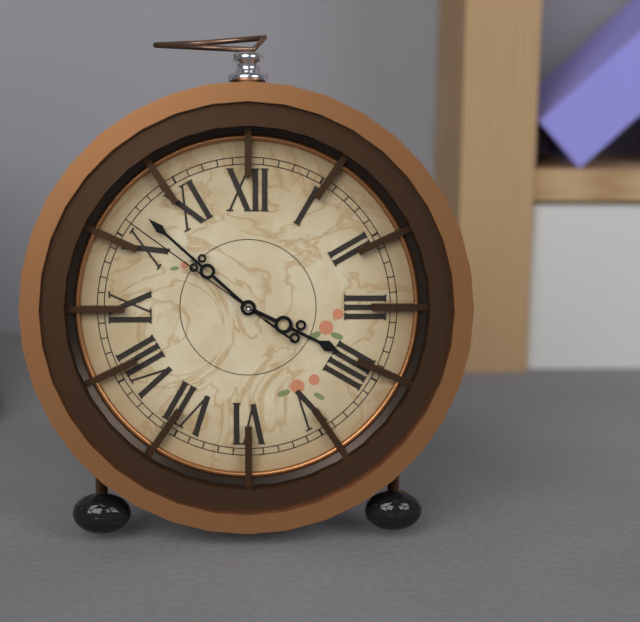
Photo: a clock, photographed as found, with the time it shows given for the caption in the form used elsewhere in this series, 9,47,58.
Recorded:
3,52,51
